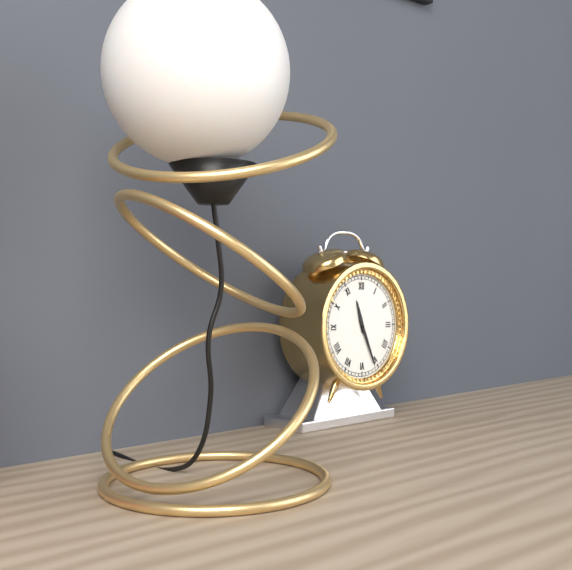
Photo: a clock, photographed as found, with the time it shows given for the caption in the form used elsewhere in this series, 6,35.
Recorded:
11,26
